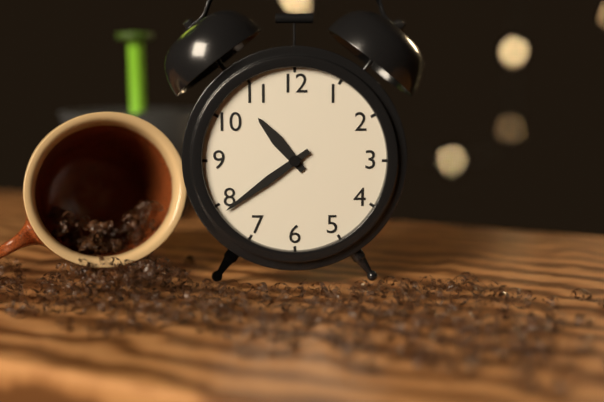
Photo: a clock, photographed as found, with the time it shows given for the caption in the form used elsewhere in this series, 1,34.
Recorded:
10,39
